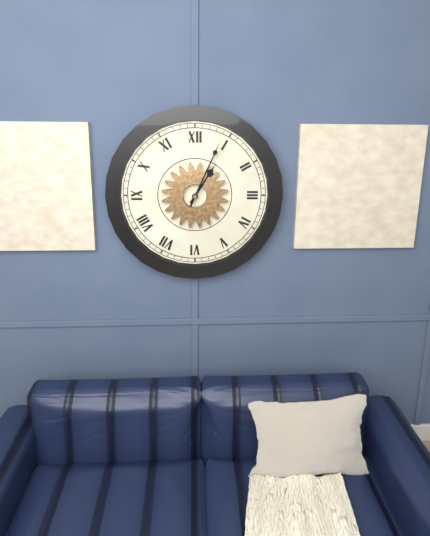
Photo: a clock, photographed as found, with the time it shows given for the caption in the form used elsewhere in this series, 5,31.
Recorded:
1,04
